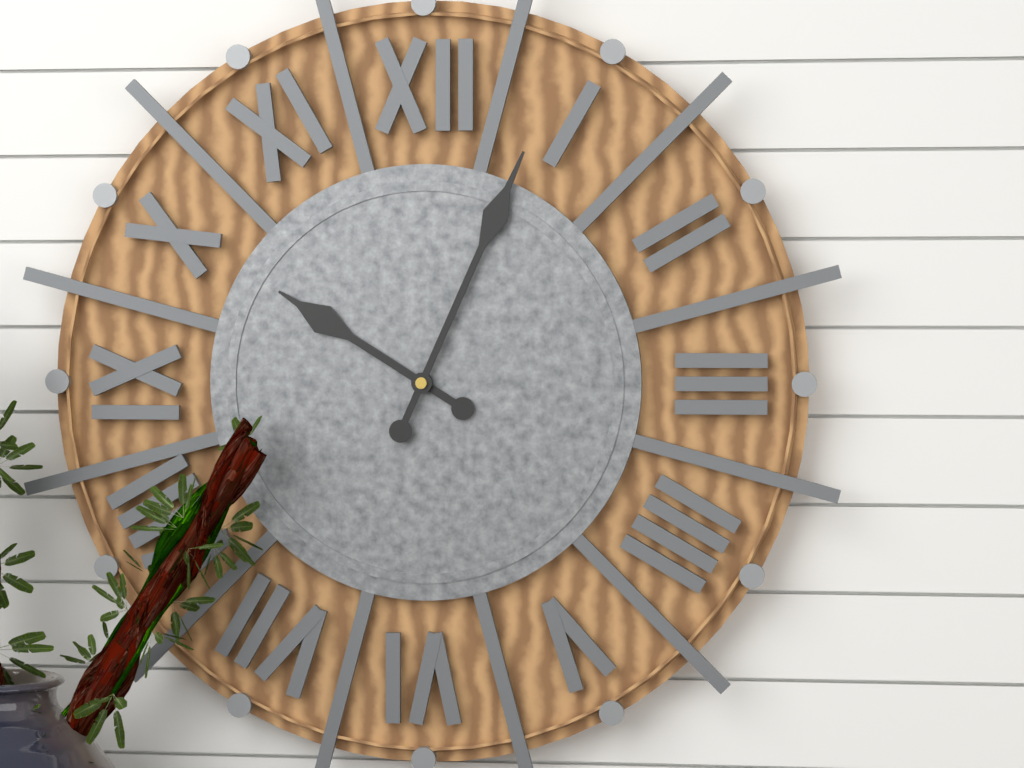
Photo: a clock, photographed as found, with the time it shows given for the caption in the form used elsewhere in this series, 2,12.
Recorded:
10,04
